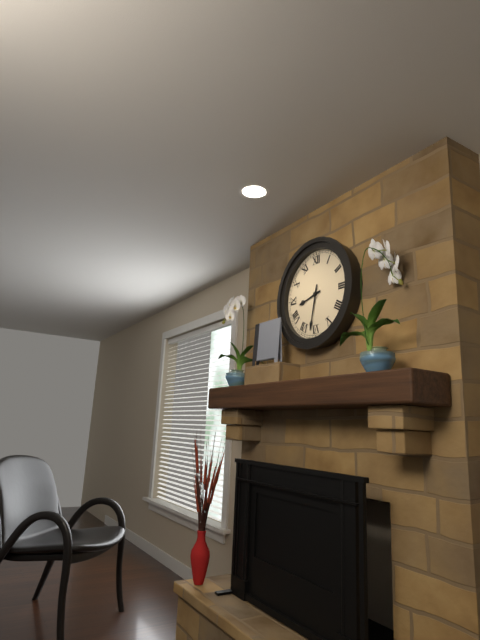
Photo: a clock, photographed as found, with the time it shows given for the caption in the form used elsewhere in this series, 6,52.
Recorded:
8,32
